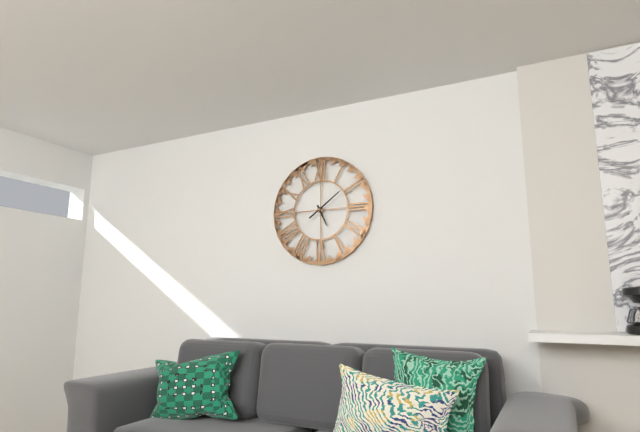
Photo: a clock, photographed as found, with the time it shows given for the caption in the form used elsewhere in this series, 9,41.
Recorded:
5,09
